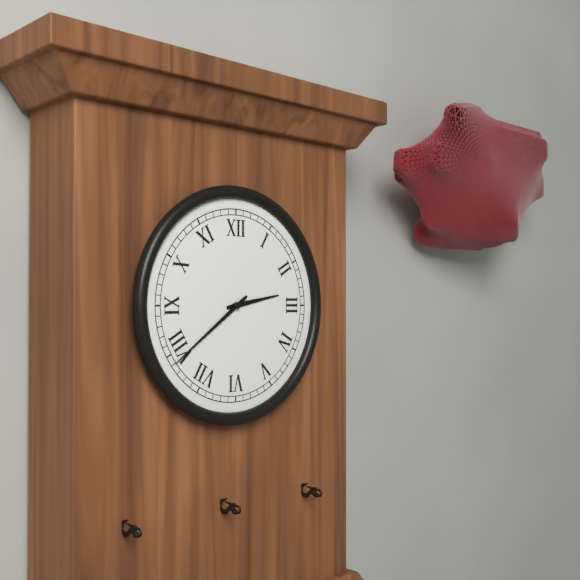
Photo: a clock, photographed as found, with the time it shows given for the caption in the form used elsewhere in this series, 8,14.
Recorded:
2,39
